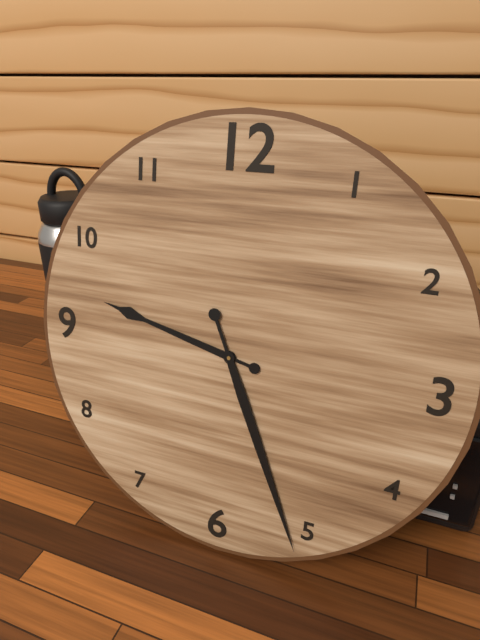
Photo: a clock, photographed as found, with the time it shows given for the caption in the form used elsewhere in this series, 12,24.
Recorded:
9,26
